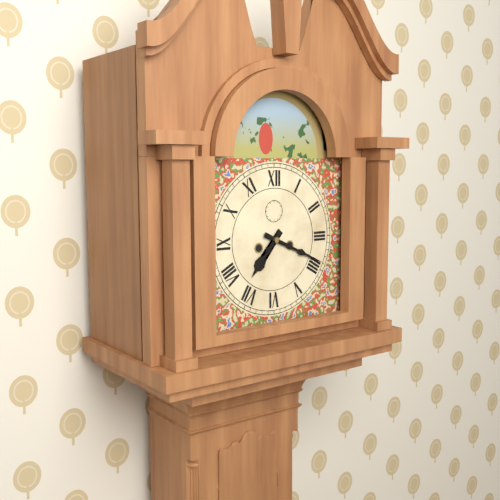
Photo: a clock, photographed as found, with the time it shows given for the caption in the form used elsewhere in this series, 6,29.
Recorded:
7,19
